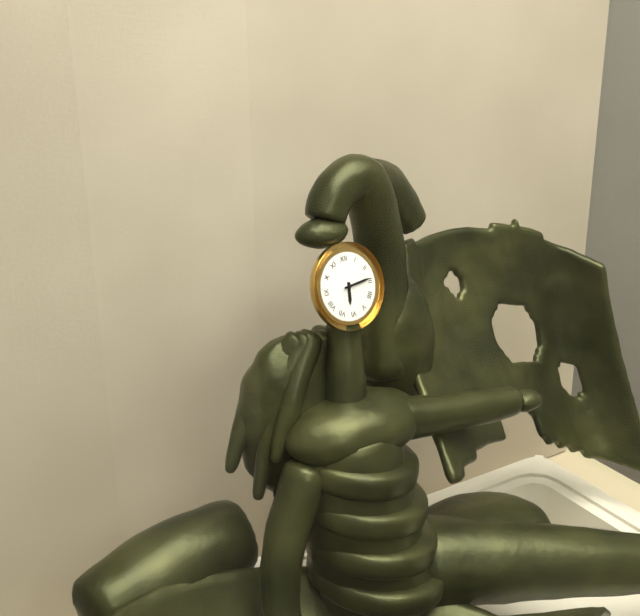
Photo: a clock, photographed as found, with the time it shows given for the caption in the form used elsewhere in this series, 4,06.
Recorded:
6,14
